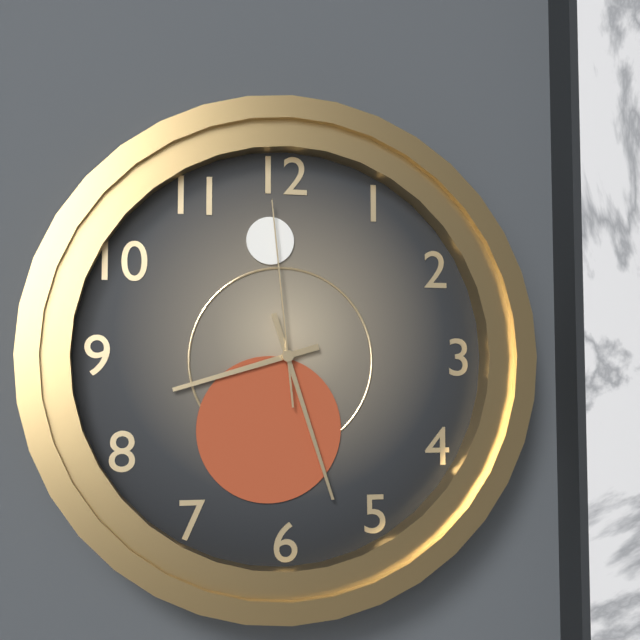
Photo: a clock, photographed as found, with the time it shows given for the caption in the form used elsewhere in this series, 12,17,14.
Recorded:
8,27,59
